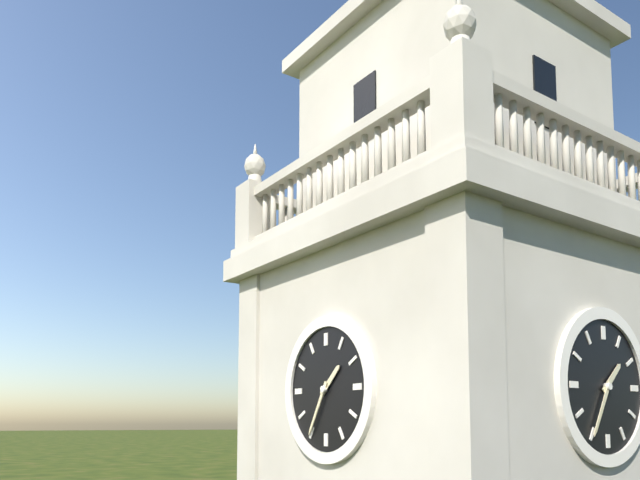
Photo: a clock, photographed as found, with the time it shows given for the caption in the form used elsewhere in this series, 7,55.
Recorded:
1,35
